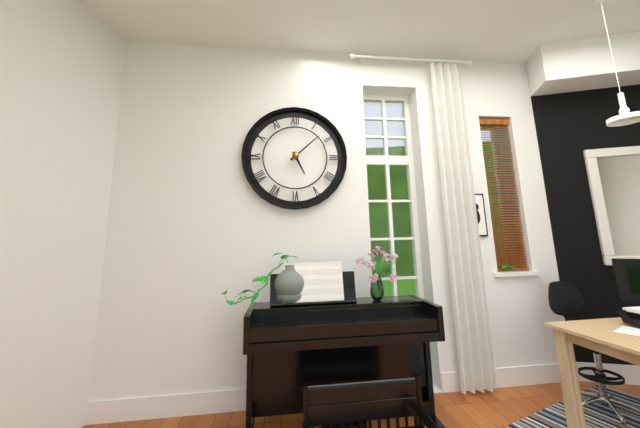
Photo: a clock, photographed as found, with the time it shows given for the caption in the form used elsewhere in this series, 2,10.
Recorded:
5,08
